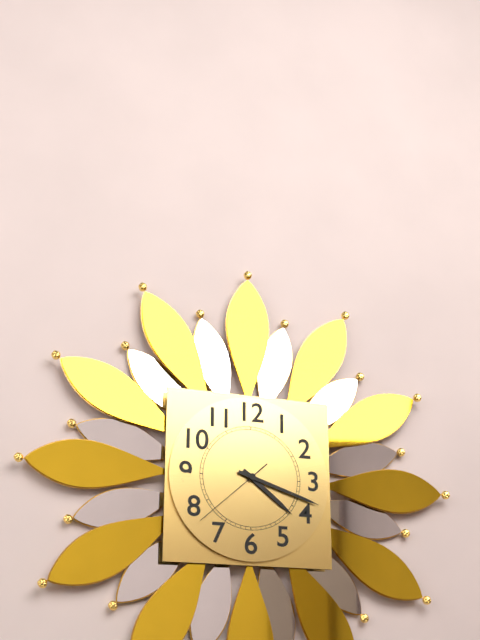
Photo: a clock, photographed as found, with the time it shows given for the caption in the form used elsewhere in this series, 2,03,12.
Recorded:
4,18,38
